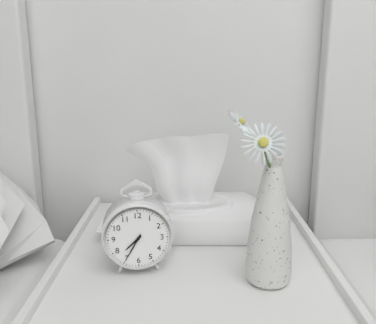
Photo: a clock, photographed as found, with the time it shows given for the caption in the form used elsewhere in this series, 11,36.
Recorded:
7,35
